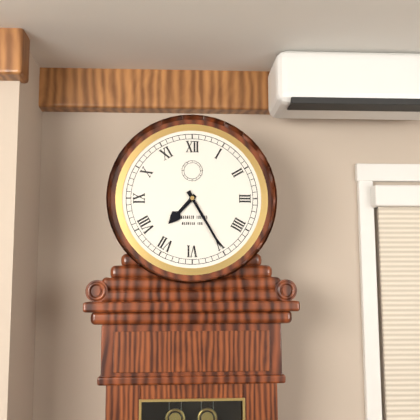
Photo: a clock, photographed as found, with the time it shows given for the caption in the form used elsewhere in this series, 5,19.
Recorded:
7,25
